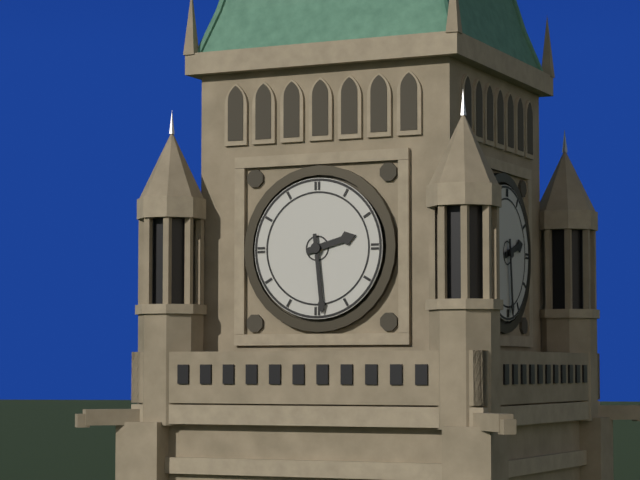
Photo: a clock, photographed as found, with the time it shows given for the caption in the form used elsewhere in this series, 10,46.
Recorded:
2,29
